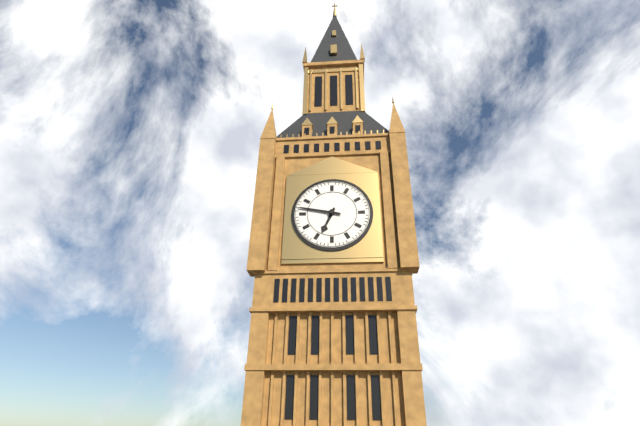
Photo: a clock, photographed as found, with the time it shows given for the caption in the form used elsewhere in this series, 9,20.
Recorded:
6,47
